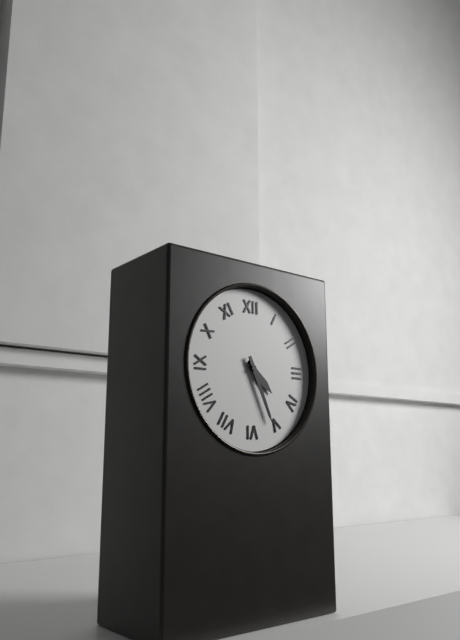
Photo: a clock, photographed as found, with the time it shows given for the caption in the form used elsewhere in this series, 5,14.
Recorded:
4,26
